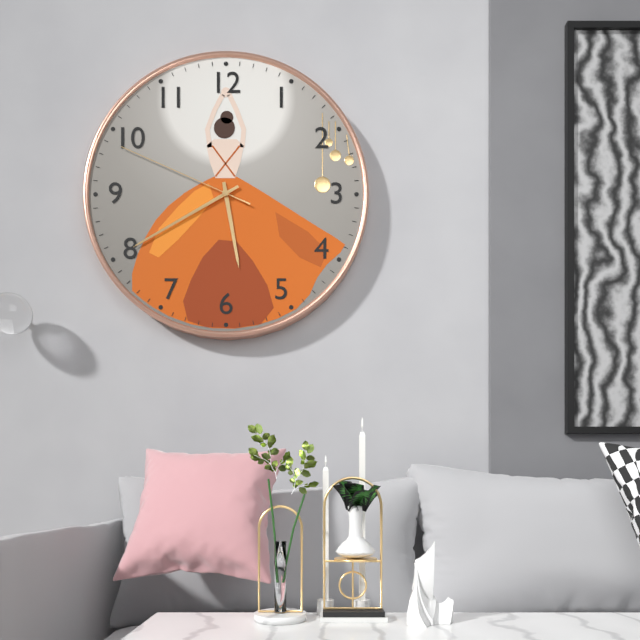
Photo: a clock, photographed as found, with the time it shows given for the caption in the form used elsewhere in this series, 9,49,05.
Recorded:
5,40,49
